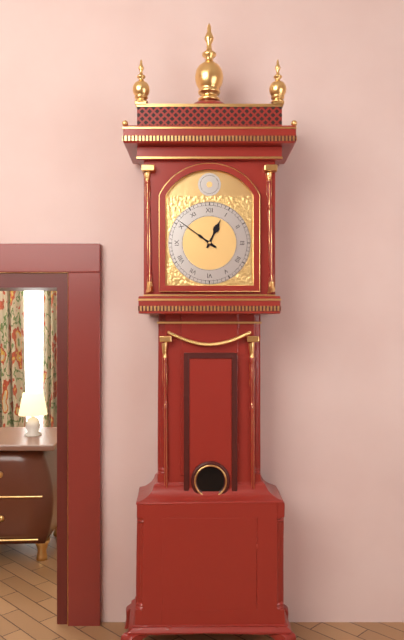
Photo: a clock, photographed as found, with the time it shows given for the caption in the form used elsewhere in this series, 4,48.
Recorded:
12,51
